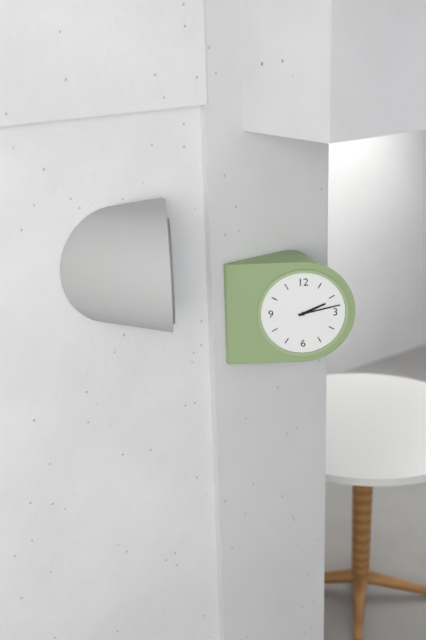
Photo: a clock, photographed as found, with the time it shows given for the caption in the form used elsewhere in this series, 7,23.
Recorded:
2,13
